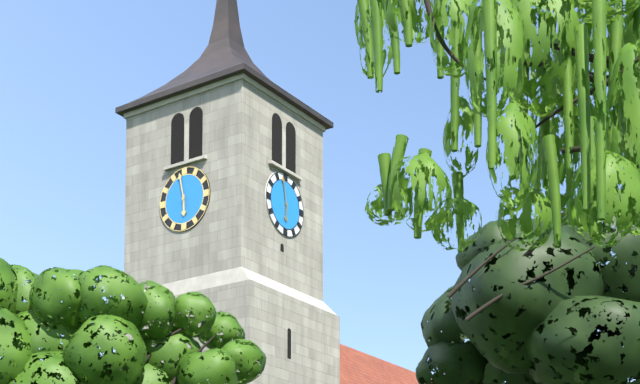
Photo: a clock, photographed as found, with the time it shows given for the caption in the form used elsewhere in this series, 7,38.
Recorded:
5,58
